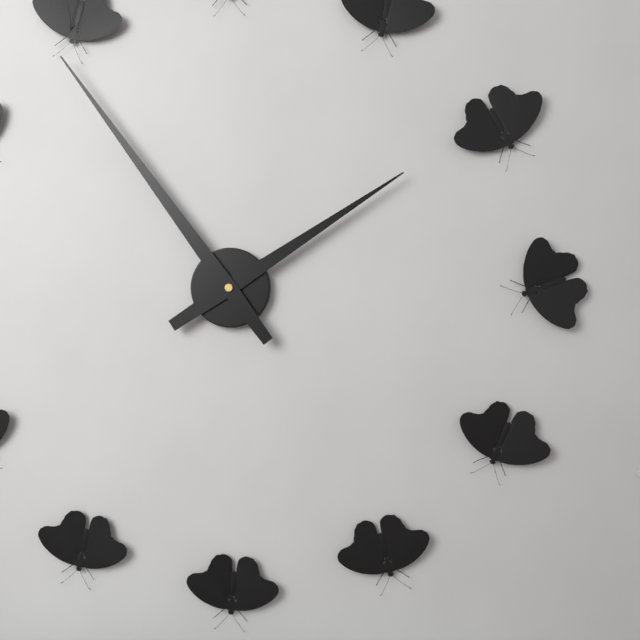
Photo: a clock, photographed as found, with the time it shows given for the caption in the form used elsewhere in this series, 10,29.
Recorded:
1,54
